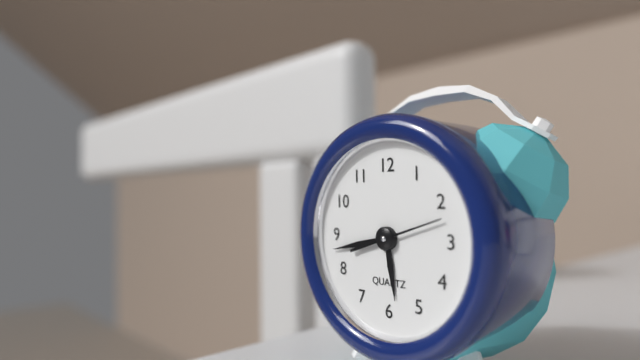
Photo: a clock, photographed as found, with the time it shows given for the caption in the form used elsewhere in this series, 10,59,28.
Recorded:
5,43,12
